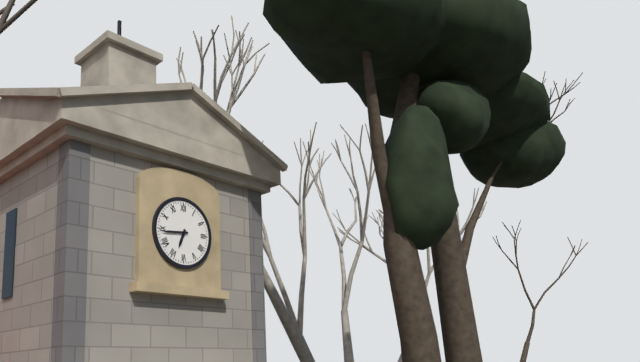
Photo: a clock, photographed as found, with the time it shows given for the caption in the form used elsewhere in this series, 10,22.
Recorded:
6,44
